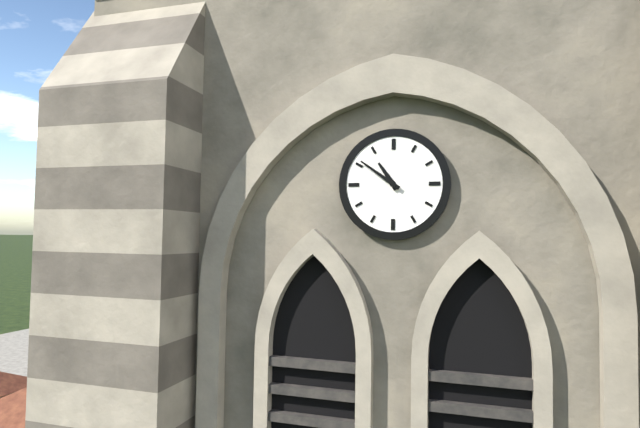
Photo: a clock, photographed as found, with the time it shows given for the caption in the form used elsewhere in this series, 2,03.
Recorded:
10,51
